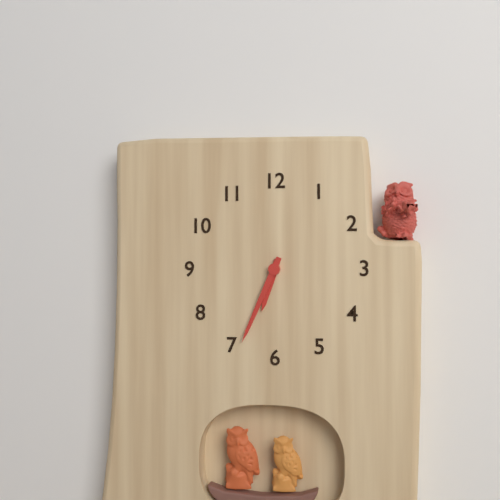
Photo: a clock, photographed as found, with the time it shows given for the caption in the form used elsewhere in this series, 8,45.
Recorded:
6,34
